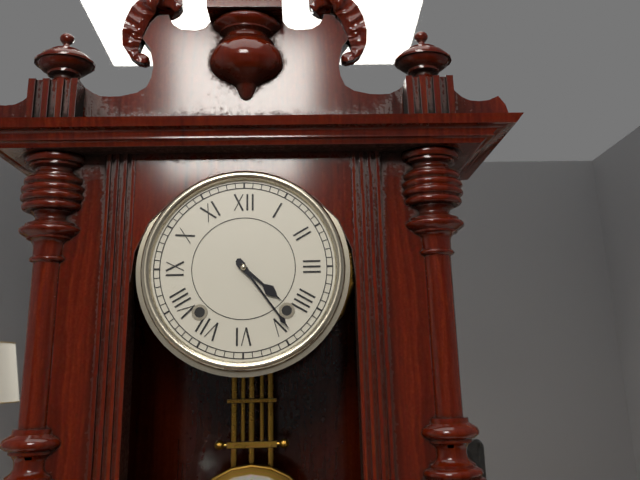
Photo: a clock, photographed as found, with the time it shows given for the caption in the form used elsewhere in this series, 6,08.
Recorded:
4,24
